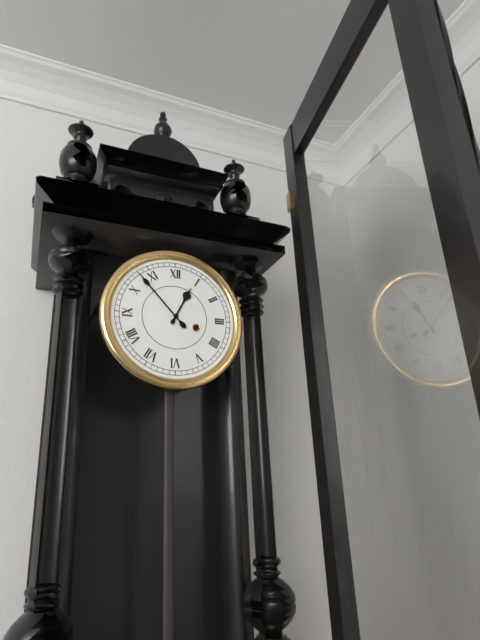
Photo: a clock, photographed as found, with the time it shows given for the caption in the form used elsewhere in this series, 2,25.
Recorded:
12,53
